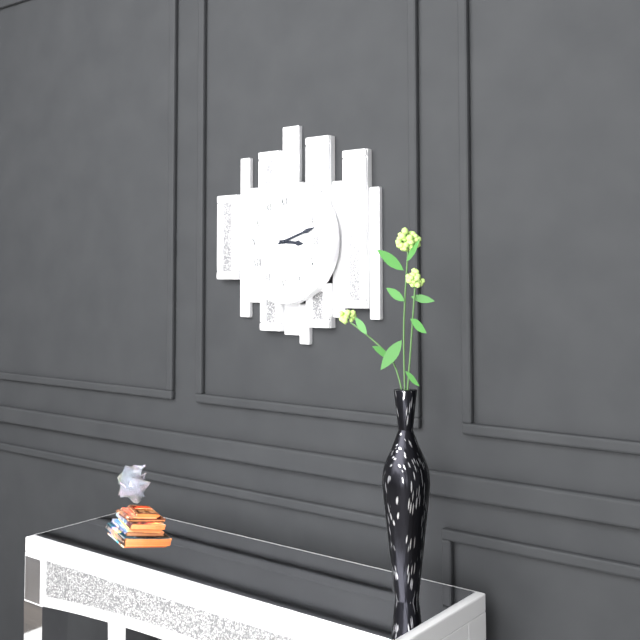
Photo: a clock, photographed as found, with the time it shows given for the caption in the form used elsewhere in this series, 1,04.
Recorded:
3,12
